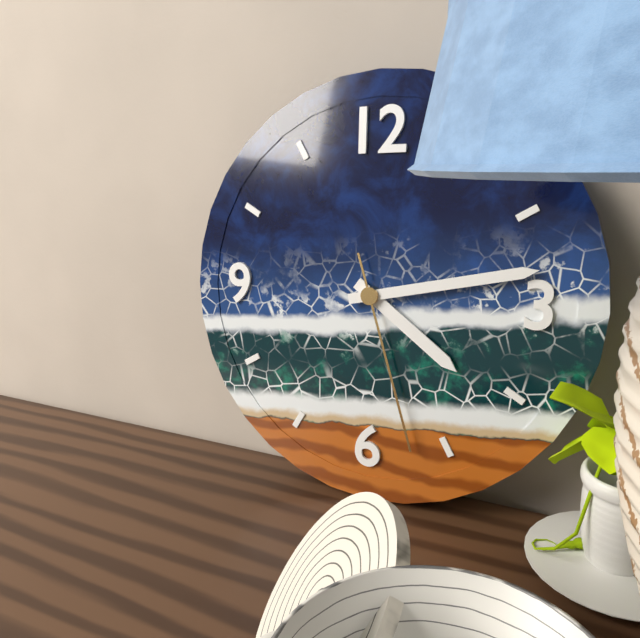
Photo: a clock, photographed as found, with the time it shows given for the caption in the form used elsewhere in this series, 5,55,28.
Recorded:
4,13,27
